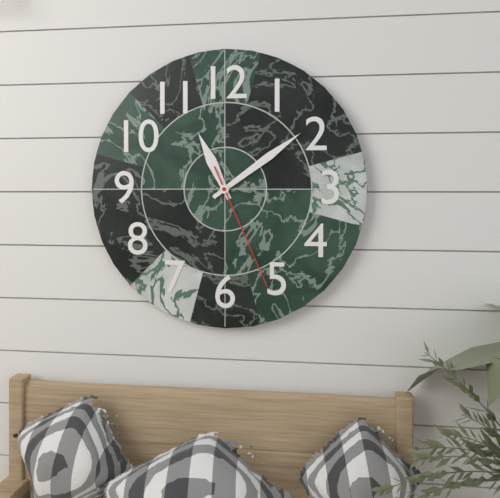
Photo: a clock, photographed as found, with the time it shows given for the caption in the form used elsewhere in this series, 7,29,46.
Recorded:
11,09,26
